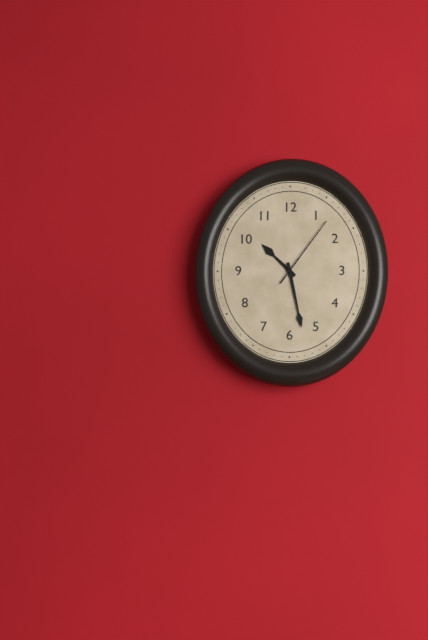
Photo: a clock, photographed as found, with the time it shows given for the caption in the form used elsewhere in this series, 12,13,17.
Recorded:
10,28,06
